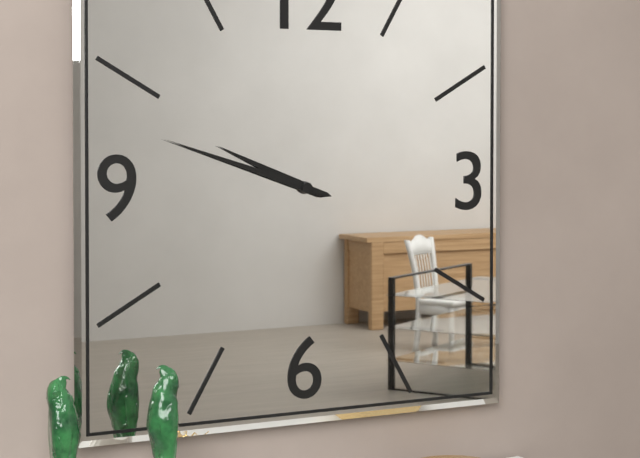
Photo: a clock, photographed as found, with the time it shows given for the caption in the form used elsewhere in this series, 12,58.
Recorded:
9,48
